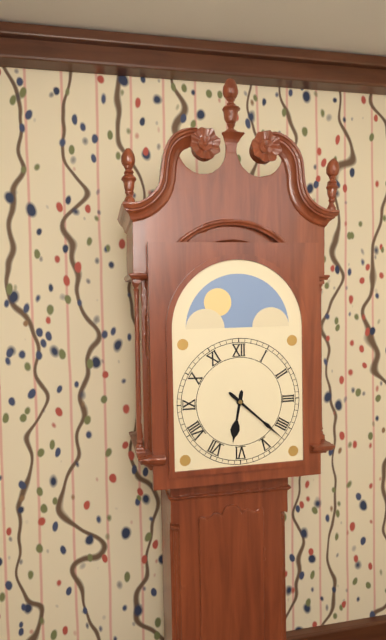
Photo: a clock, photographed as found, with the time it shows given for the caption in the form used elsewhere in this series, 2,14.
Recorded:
6,22
